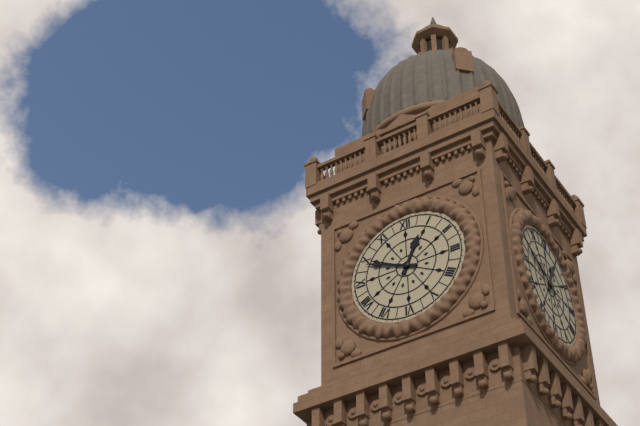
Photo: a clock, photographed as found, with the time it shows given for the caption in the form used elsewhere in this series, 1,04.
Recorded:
12,49
